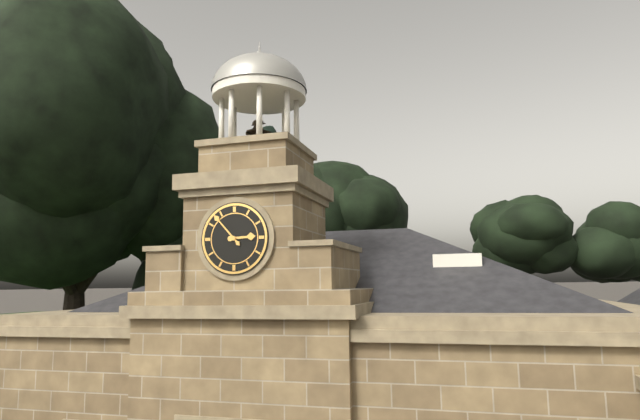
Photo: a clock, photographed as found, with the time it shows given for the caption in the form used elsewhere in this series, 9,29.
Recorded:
2,53
